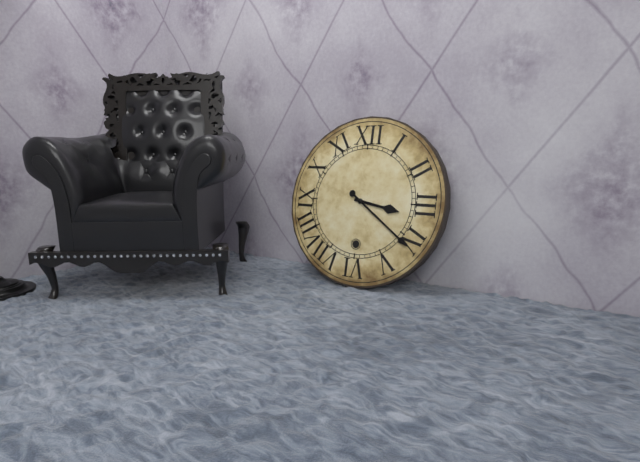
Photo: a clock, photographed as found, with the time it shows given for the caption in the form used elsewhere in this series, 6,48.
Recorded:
3,21
